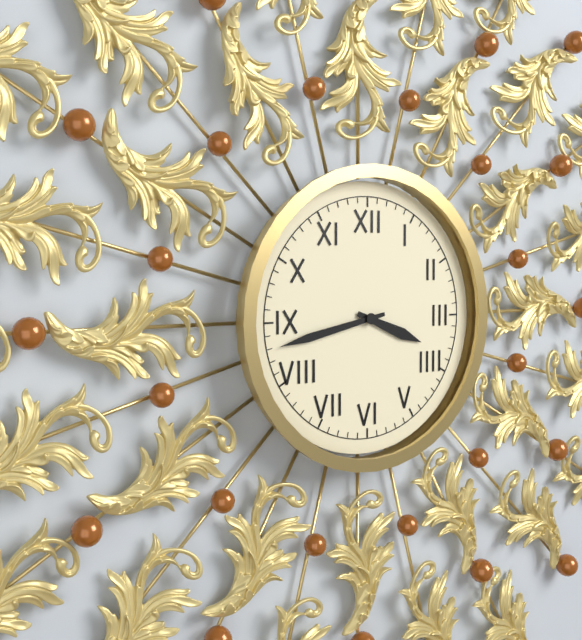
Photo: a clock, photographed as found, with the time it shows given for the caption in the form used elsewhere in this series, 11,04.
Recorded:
3,43
